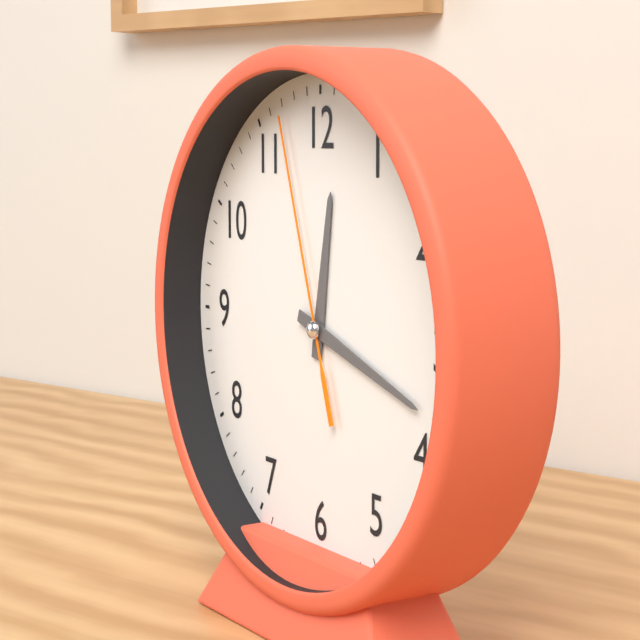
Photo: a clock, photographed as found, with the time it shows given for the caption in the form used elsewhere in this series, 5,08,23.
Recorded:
12,18,57
